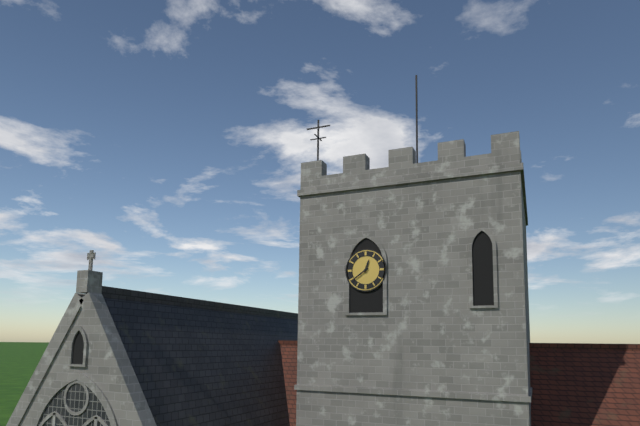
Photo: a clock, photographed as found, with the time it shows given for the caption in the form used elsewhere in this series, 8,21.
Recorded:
12,39
